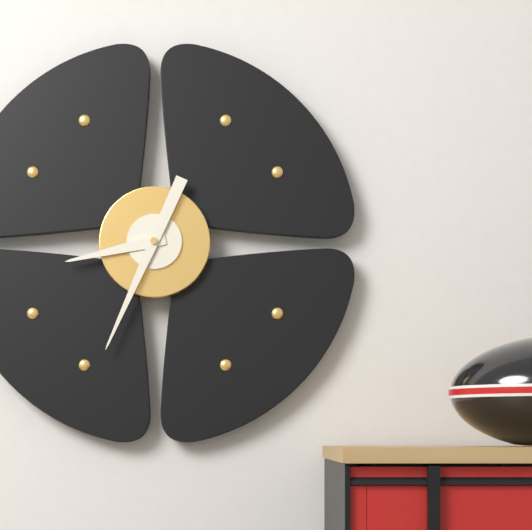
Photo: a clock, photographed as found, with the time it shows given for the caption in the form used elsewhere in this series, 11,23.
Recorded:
8,34
